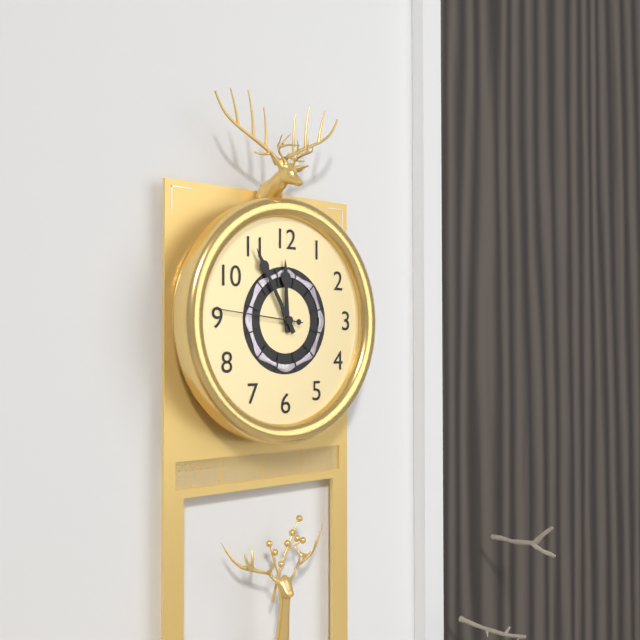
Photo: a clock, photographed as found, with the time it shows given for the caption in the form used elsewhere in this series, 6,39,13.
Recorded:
11,55,46
